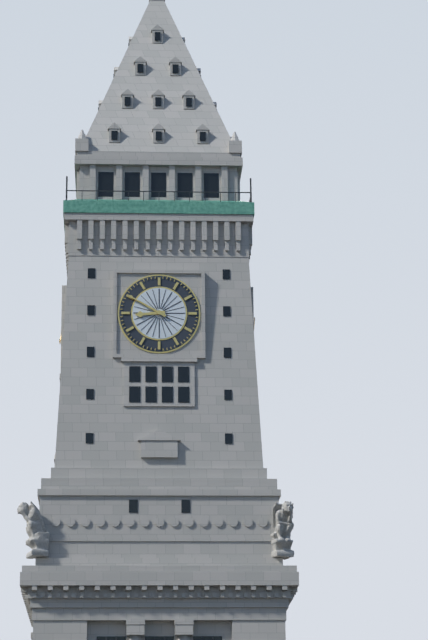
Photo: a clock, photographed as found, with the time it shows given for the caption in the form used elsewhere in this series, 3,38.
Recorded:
8,50
